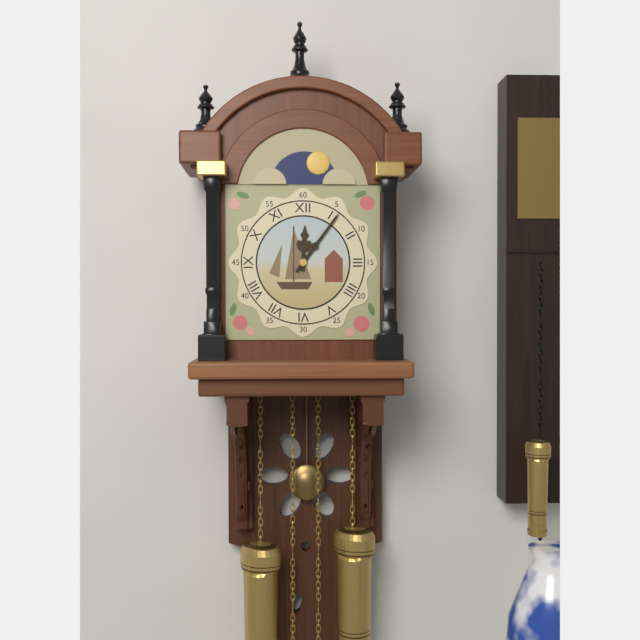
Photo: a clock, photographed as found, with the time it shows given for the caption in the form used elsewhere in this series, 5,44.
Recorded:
12,06
